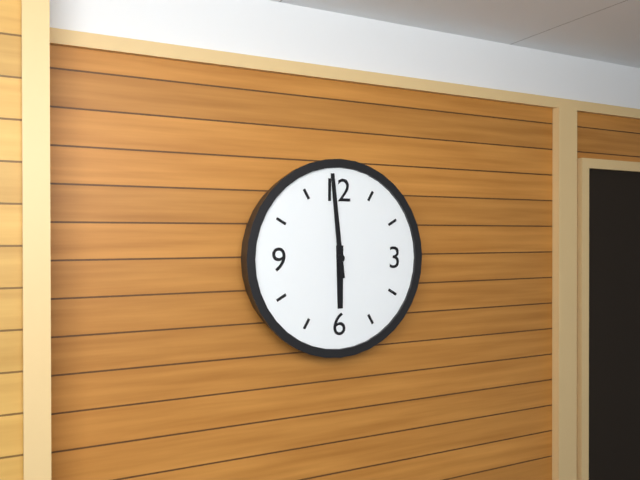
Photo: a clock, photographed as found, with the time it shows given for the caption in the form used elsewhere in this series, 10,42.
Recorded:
5,59
